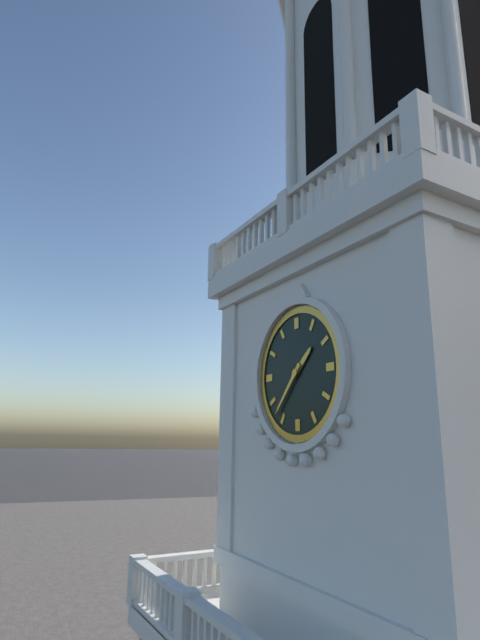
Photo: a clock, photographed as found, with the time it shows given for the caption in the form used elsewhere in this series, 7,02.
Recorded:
1,37
